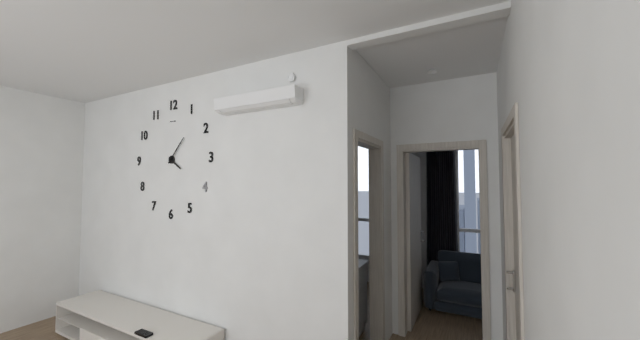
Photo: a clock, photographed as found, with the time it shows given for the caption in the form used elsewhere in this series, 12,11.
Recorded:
4,07
